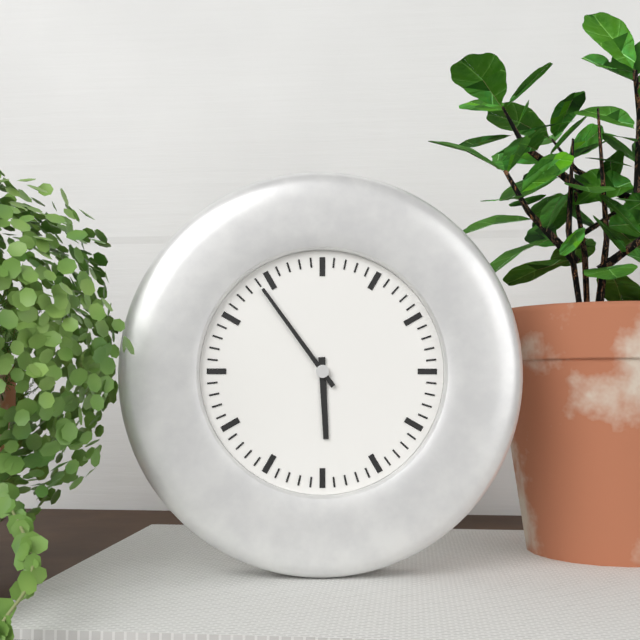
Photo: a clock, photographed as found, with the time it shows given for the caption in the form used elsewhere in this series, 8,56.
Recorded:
5,54
